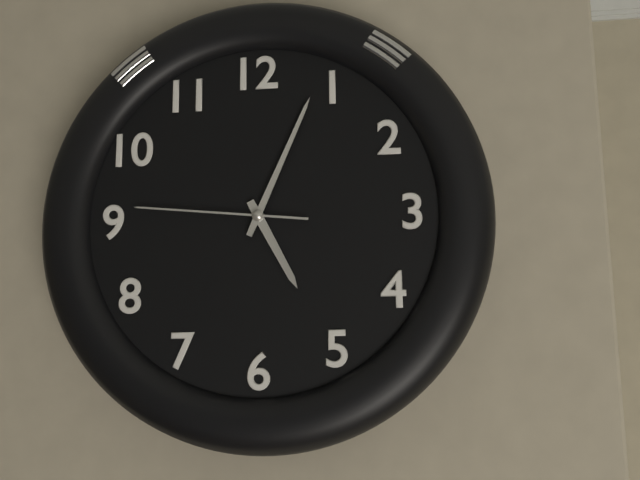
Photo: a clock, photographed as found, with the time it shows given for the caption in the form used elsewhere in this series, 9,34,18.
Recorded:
5,04,46
